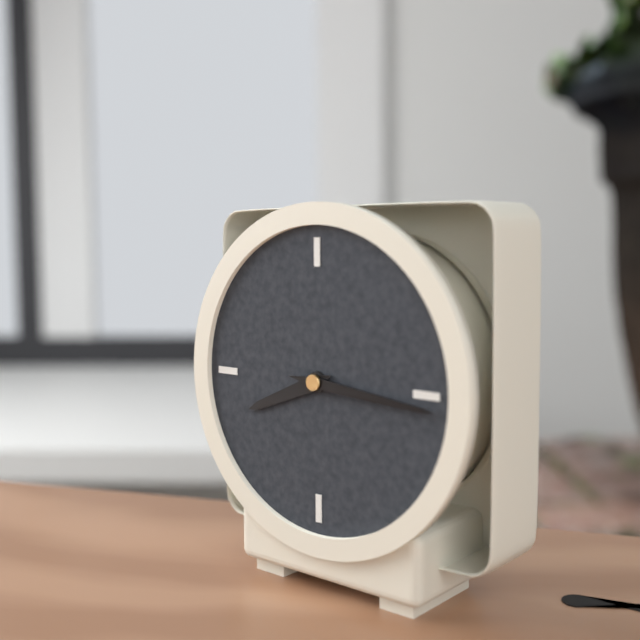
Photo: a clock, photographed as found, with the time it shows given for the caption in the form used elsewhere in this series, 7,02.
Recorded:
8,16
